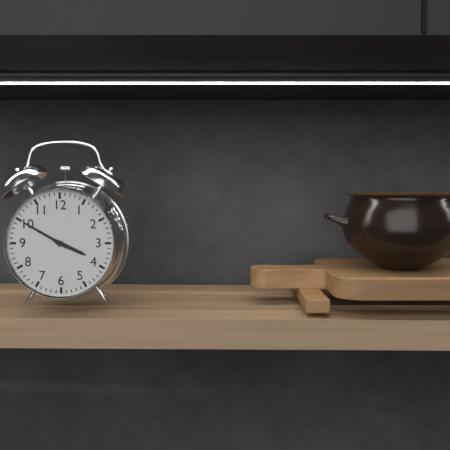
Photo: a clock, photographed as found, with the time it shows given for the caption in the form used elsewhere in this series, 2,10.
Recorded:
3,50
